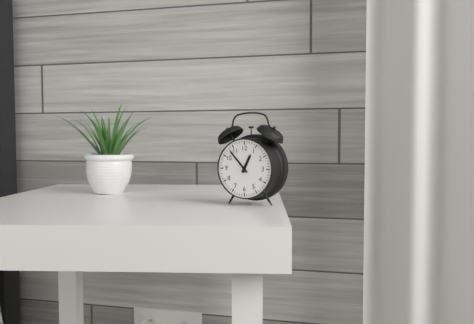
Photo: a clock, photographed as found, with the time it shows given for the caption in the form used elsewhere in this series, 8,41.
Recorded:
12,53
